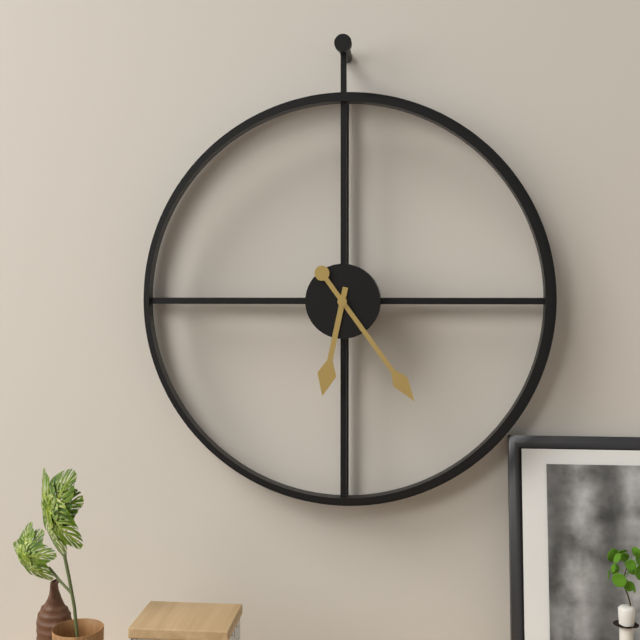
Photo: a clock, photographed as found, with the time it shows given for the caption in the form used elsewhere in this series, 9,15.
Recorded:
6,24
